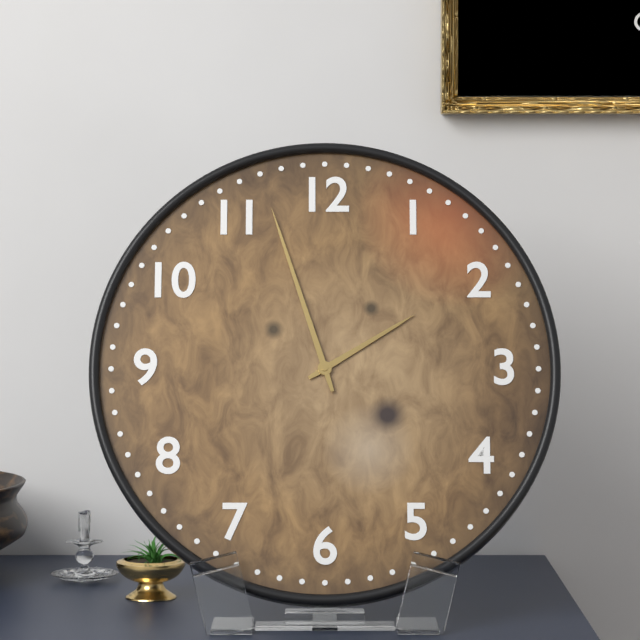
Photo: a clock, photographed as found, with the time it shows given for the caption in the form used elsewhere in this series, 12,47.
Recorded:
1,57
